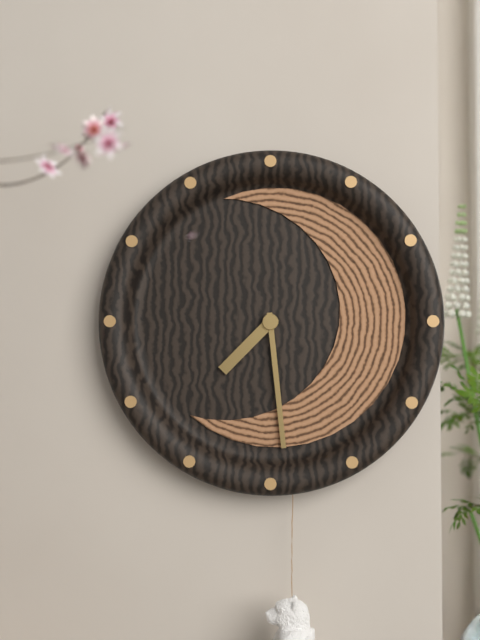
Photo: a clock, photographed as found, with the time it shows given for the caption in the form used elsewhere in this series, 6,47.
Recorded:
7,29
